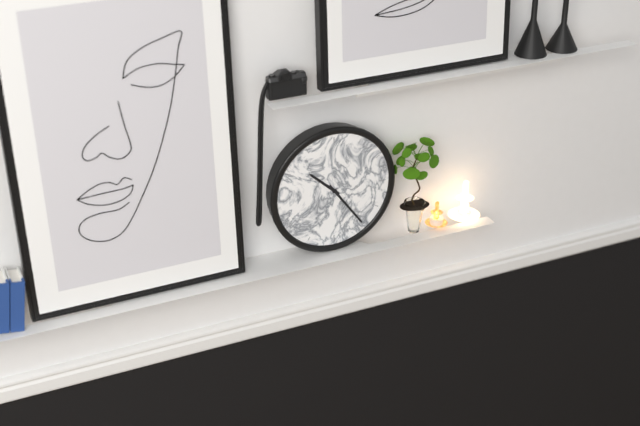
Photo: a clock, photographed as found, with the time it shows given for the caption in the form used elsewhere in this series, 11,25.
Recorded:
10,24
